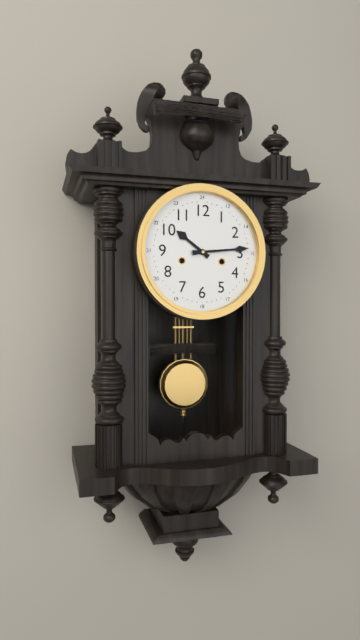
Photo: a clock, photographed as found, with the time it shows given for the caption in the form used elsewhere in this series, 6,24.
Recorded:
10,14
